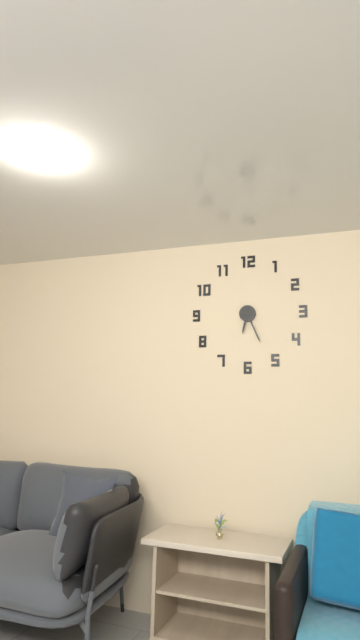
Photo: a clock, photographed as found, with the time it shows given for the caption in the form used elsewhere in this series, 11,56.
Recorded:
6,26
